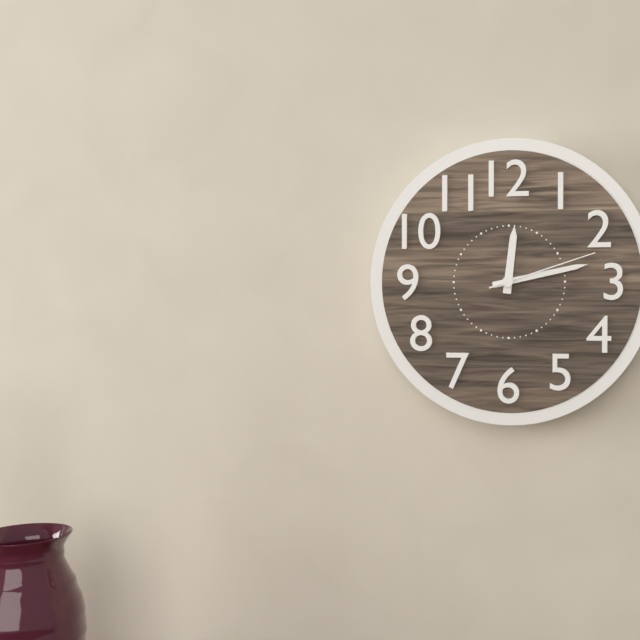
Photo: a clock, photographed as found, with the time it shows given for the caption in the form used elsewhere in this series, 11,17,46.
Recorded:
12,13,12
